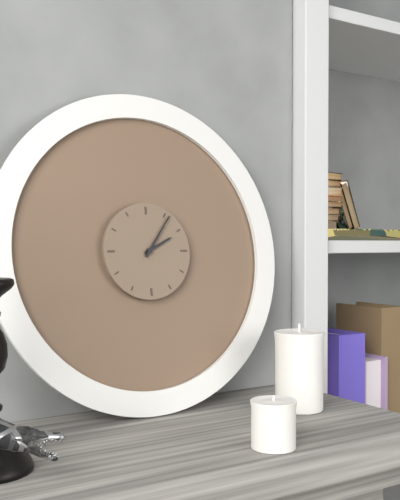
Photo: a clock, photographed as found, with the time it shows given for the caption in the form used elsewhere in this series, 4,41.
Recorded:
2,06
